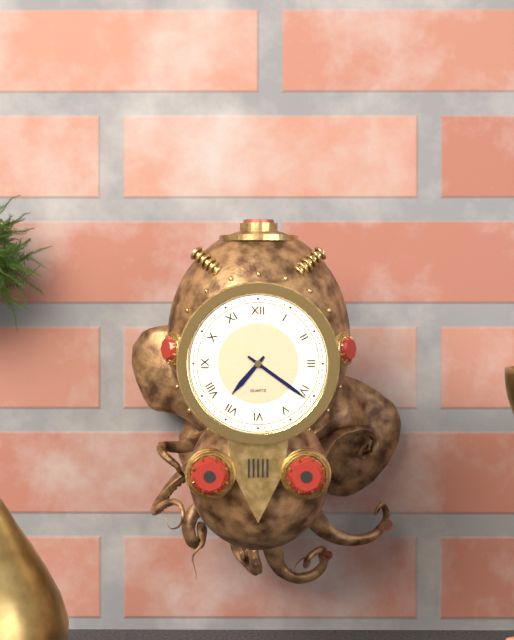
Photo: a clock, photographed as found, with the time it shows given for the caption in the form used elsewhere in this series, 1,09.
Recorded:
7,21
